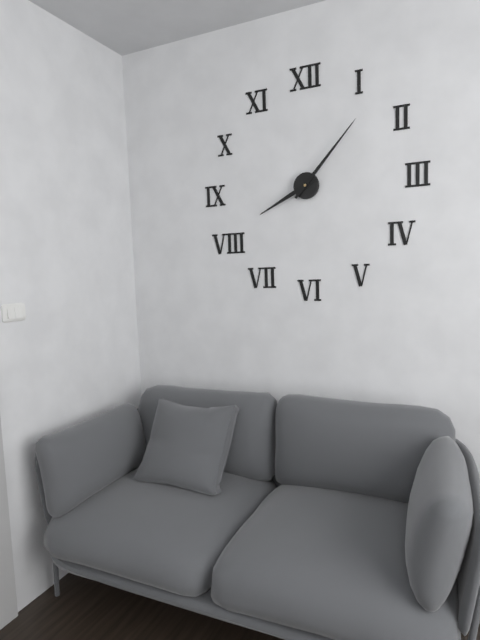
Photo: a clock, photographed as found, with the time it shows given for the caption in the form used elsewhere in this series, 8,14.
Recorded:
8,07
